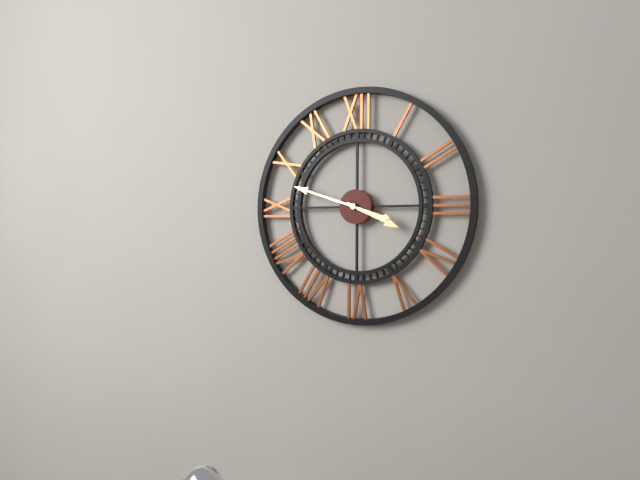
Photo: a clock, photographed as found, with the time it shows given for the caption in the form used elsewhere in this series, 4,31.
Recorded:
3,48
